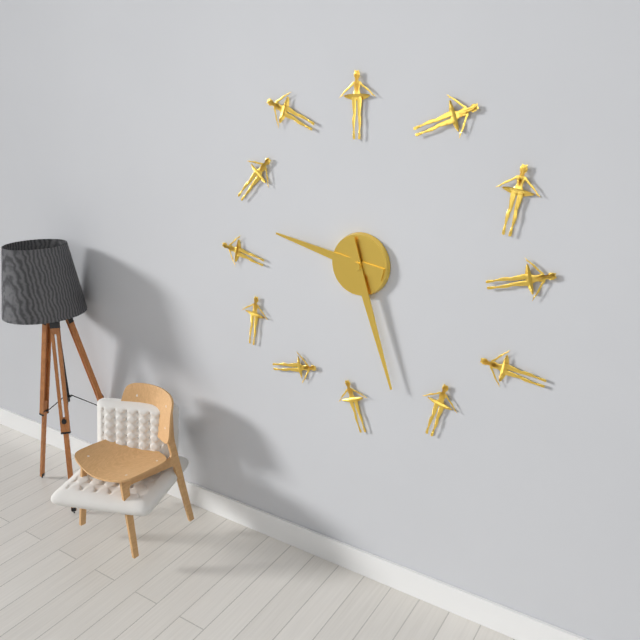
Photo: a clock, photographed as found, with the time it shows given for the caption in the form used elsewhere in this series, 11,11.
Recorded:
9,27
